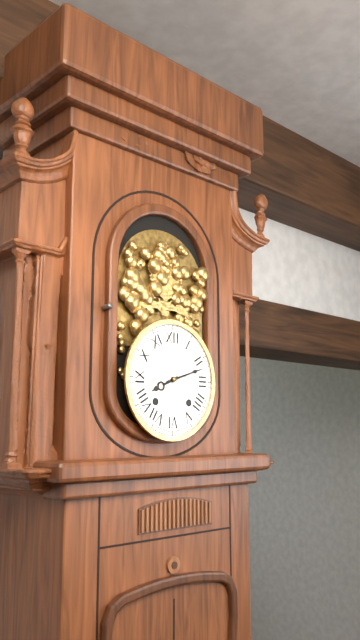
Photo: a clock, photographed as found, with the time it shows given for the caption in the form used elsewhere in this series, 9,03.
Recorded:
8,12
